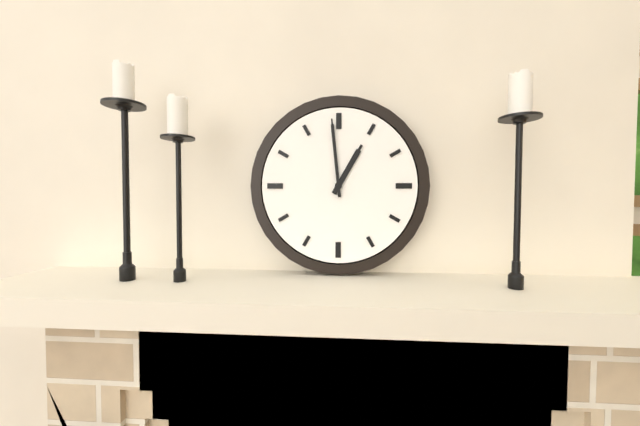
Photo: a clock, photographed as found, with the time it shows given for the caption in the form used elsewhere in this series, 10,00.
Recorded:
12,59
